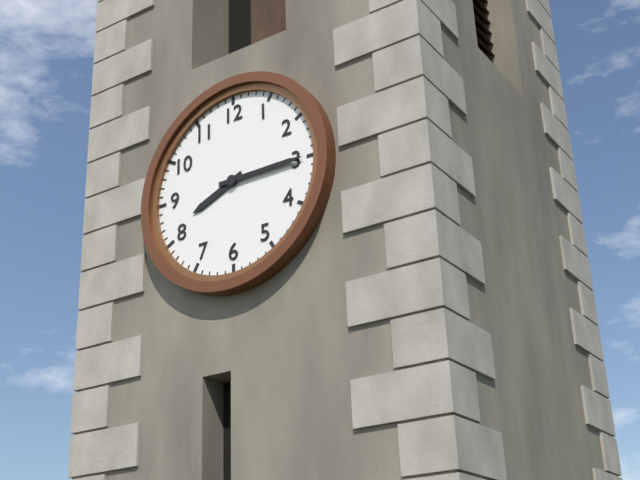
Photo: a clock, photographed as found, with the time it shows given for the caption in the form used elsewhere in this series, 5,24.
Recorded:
8,15
